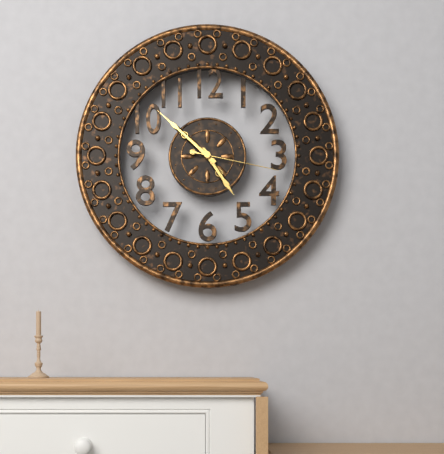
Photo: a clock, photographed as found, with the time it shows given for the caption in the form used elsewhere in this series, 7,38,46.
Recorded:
4,52,17
